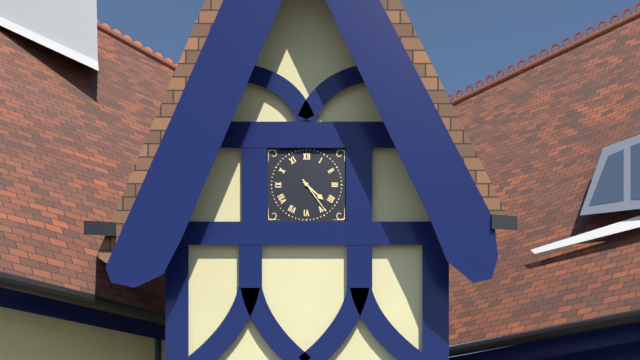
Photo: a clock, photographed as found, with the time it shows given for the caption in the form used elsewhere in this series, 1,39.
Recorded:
4,24
